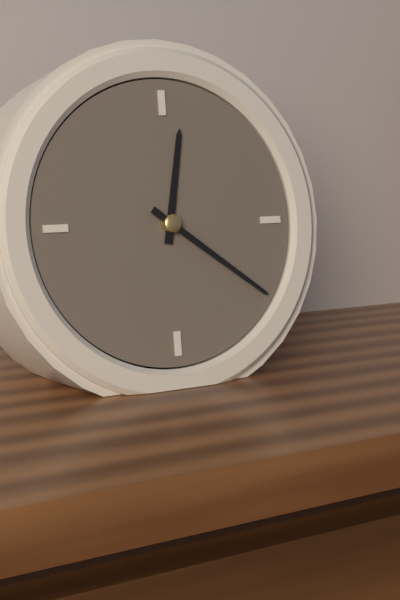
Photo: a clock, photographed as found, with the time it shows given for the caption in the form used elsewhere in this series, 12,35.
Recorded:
12,21
